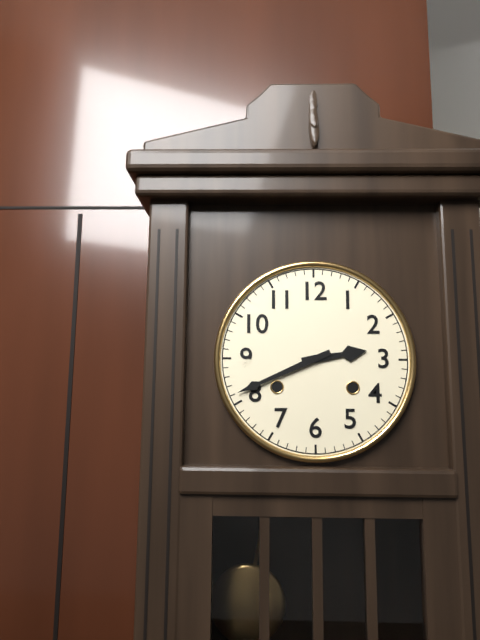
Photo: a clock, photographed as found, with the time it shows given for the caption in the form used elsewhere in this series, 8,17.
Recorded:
2,41
